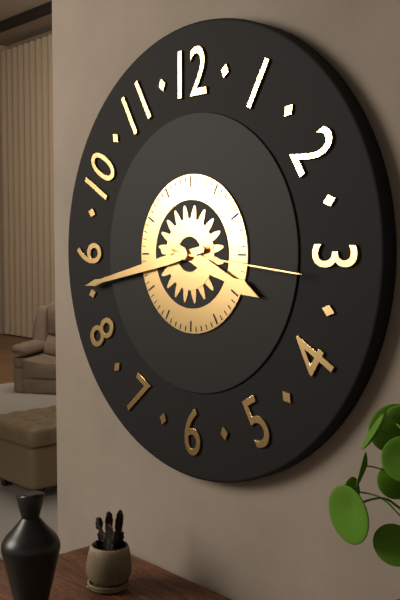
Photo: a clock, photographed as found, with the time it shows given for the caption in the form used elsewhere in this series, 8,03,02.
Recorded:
3,43,16
